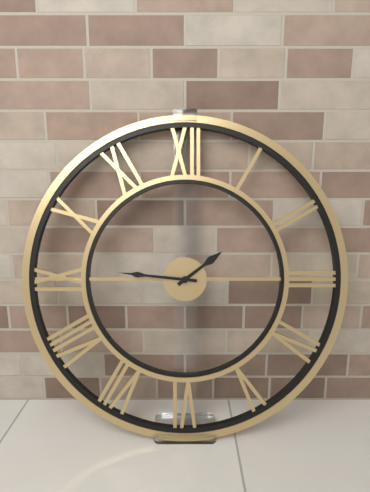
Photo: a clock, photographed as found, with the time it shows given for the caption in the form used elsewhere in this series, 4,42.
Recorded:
1,46
